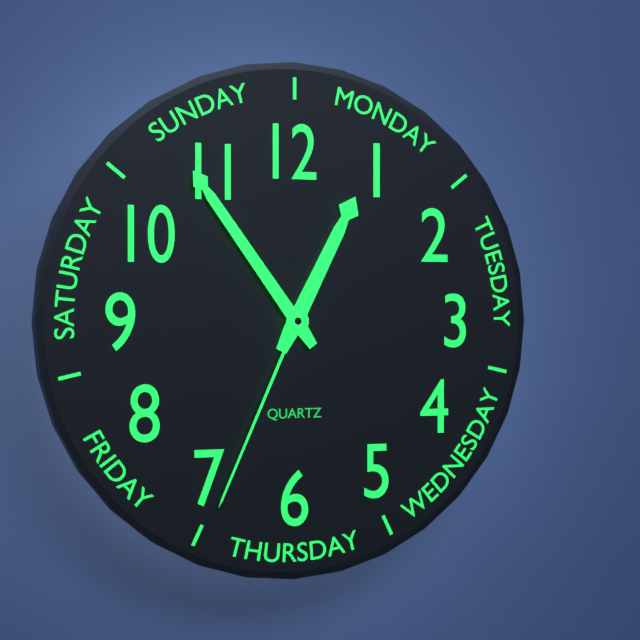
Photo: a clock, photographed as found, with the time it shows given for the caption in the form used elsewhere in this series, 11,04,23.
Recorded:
12,54,34
